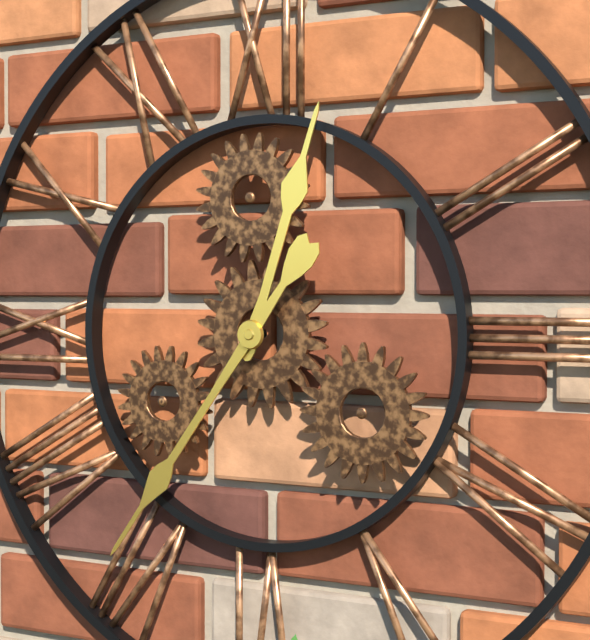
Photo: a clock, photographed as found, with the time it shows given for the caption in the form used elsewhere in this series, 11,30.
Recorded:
12,36
